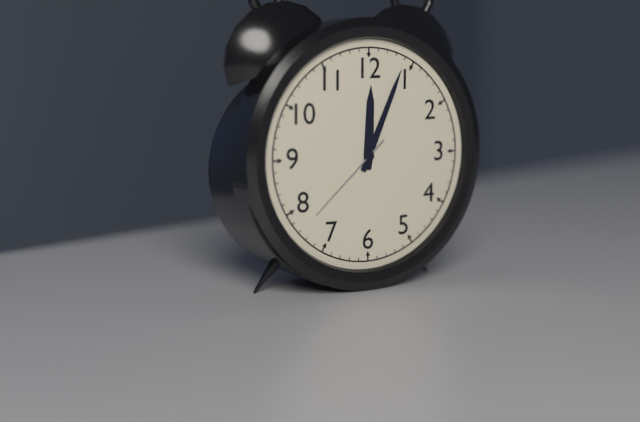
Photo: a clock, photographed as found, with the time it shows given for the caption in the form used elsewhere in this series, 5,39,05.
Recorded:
12,04,38
